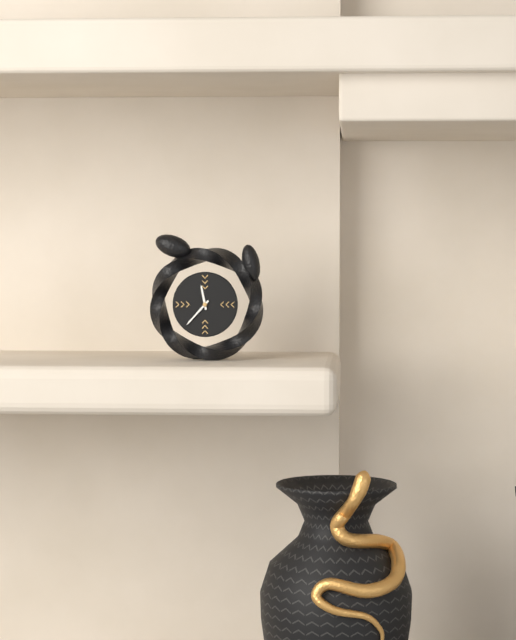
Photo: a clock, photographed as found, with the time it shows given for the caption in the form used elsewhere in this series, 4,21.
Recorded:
11,37
